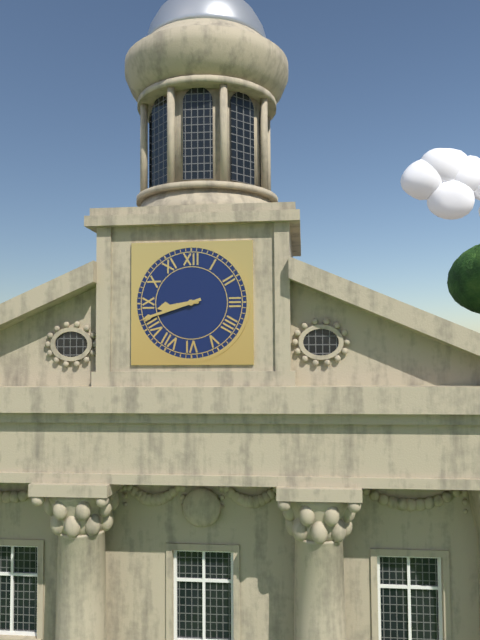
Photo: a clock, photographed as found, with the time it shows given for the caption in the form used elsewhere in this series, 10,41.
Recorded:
8,42
